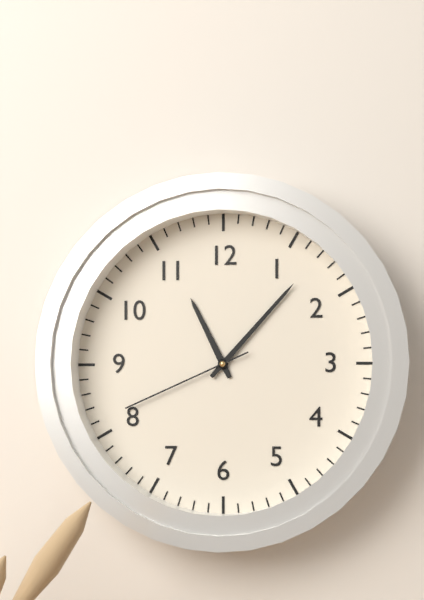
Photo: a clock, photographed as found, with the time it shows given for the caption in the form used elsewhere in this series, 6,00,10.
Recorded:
11,07,41
